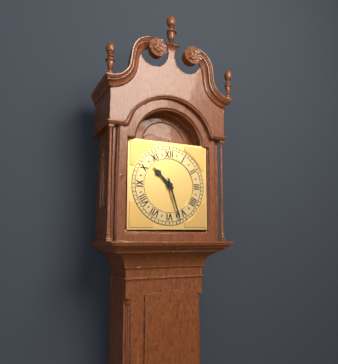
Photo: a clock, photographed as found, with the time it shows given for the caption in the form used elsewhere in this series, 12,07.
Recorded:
10,27
